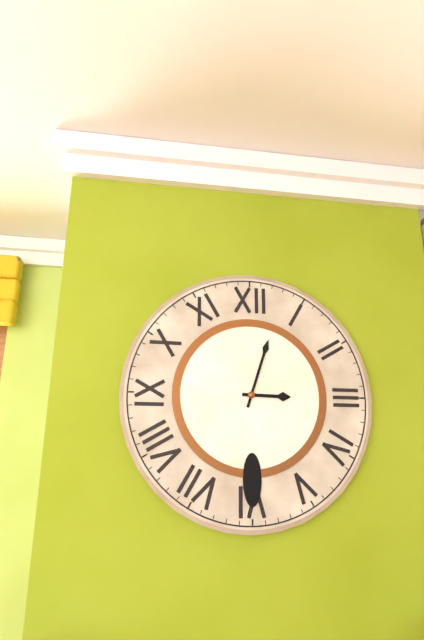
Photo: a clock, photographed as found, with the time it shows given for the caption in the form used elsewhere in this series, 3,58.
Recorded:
3,03
